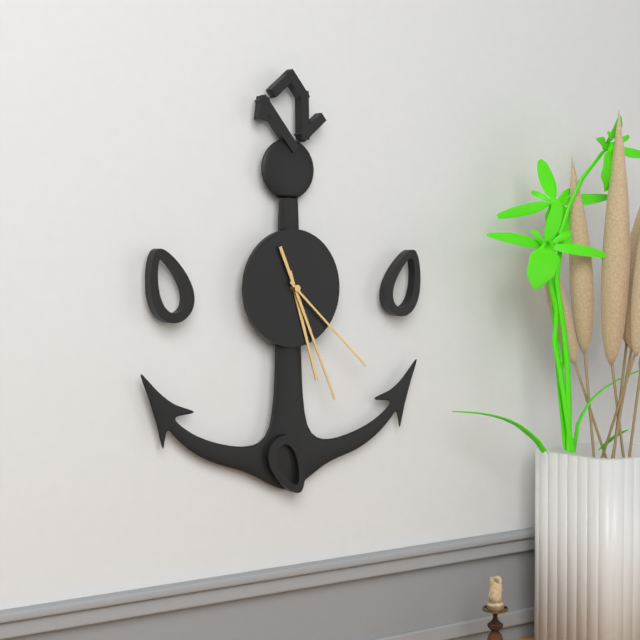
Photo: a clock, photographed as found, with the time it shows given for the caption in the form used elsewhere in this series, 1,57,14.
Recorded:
5,26,22
